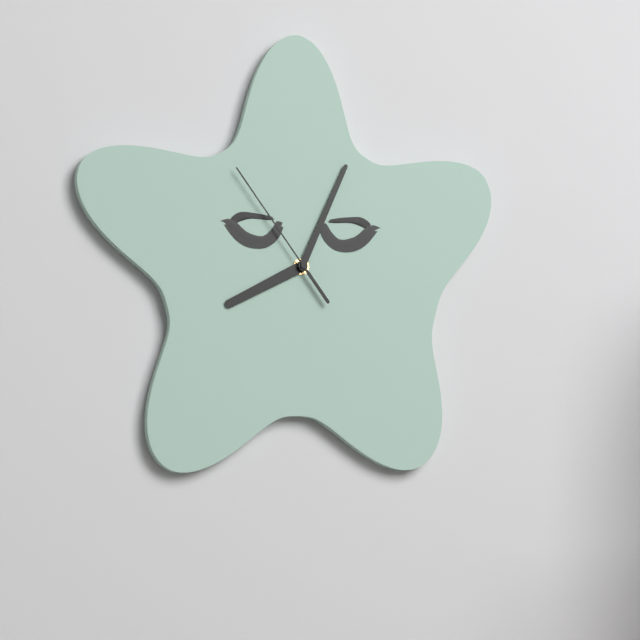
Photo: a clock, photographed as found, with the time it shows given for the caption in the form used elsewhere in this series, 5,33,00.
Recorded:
8,04,54
